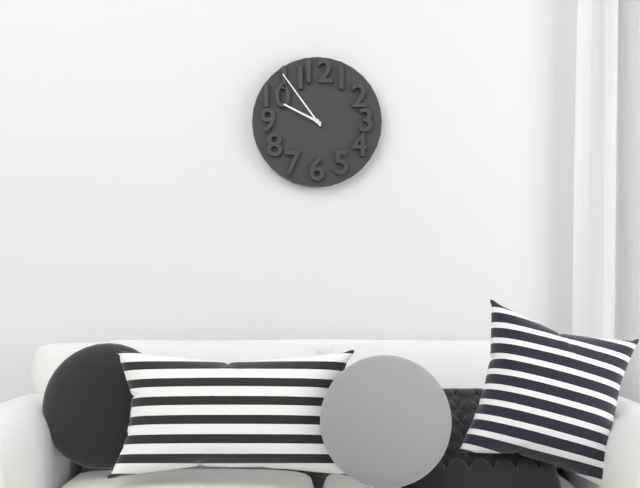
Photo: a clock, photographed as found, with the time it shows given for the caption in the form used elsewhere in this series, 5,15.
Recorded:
9,54
